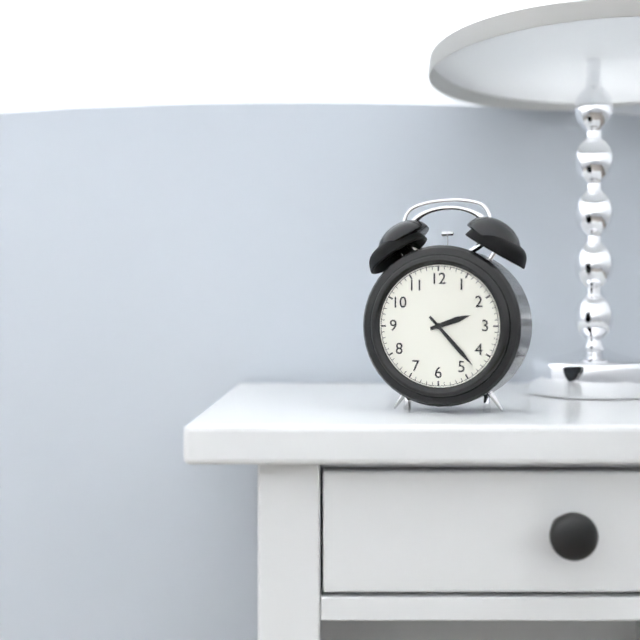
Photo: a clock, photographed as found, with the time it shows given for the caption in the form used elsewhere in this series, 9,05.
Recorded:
2,23
